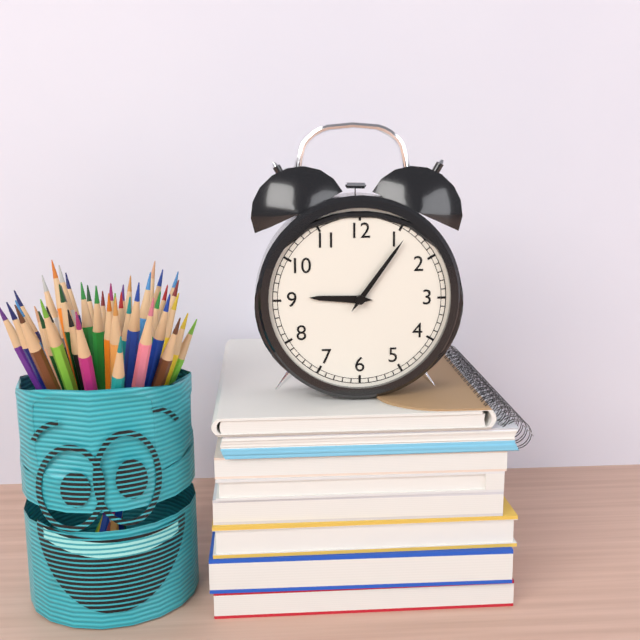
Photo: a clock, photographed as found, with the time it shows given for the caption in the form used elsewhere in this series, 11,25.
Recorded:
9,06
